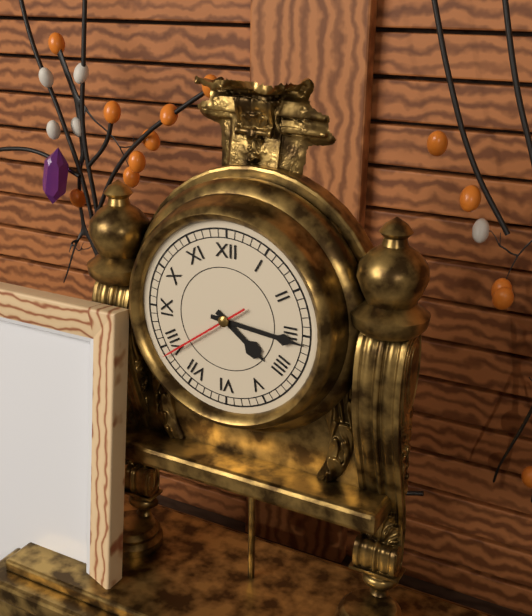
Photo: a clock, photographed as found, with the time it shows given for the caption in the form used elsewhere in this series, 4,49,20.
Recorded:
4,16,39
